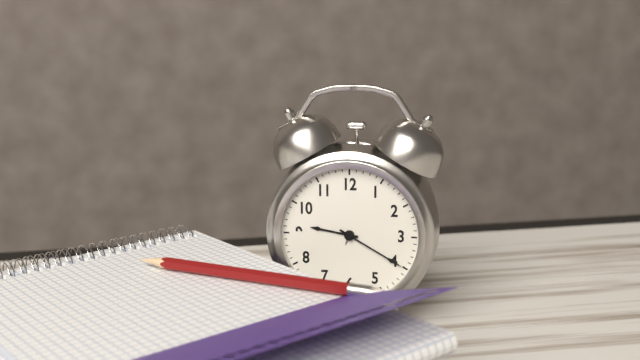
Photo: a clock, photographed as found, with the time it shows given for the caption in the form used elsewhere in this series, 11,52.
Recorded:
9,20
